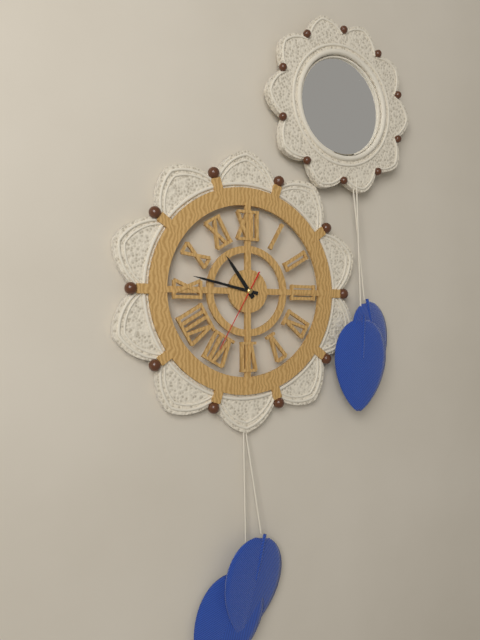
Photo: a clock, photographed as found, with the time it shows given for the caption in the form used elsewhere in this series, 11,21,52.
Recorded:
10,47,35
